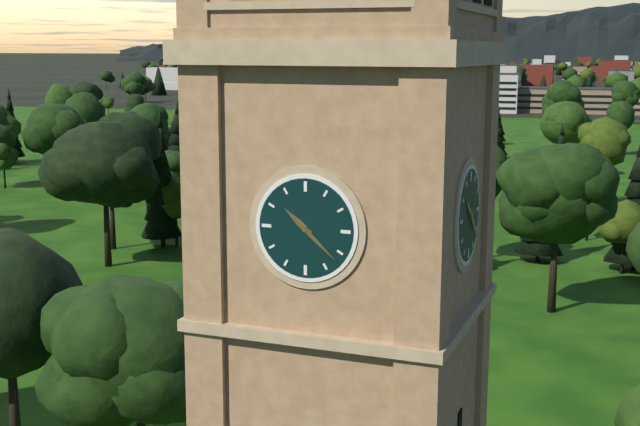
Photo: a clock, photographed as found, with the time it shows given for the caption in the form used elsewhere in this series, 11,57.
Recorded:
10,22
